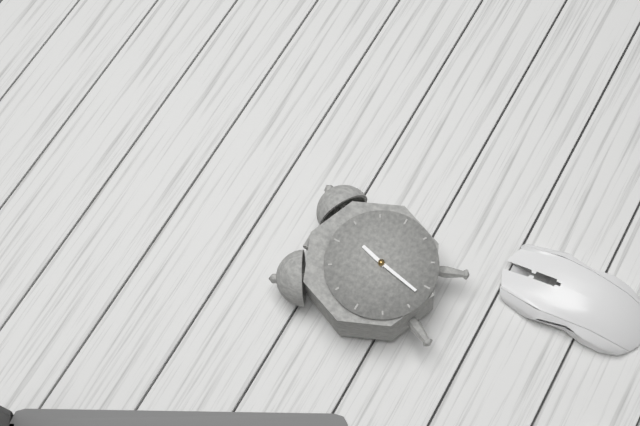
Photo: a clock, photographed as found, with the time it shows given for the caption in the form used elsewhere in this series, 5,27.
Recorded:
12,32
